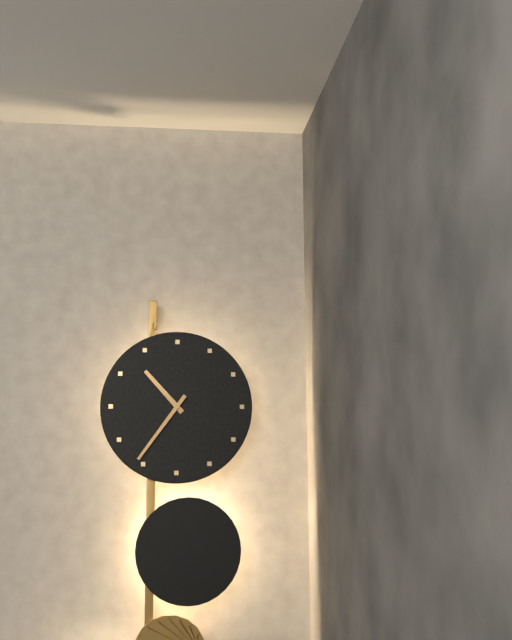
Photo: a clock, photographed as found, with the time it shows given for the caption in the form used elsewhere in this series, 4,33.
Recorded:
10,36
